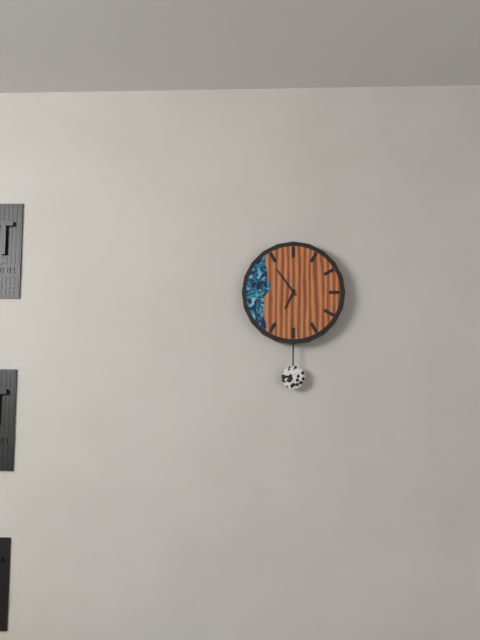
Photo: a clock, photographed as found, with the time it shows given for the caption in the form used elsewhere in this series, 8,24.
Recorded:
6,54
